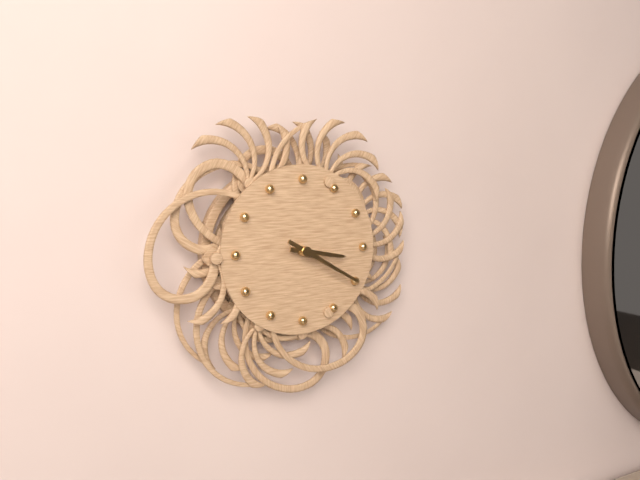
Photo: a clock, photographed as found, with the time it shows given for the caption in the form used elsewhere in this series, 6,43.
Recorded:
3,20
